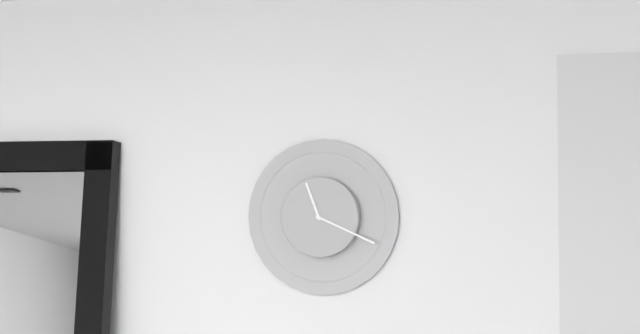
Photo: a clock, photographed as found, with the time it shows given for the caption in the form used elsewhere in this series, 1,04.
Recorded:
11,19
